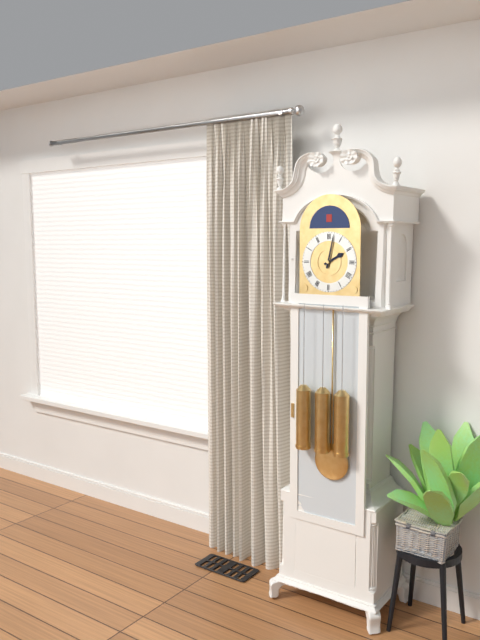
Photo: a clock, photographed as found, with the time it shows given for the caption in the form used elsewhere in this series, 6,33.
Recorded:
2,02
